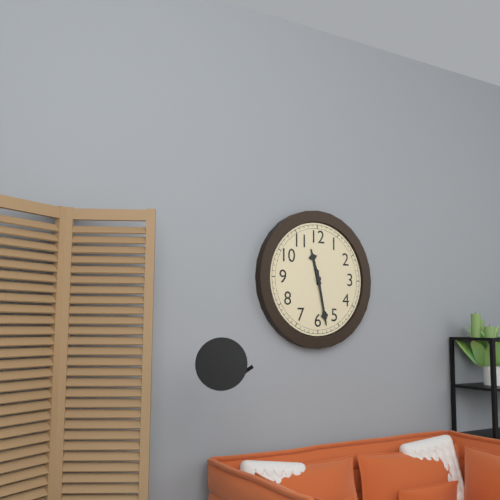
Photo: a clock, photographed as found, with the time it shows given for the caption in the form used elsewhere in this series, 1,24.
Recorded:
11,28
